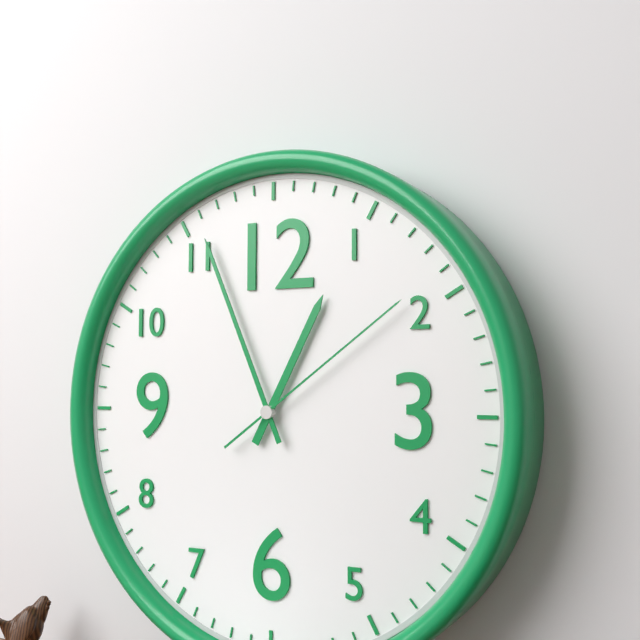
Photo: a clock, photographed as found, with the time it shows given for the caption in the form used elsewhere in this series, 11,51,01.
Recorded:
12,56,09
